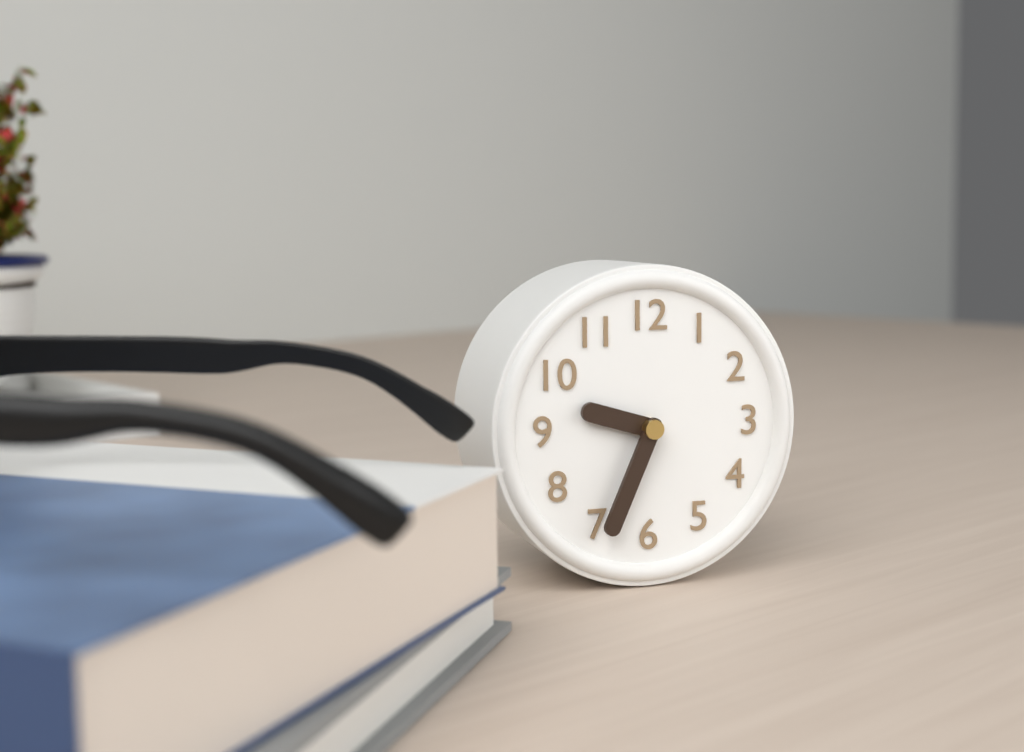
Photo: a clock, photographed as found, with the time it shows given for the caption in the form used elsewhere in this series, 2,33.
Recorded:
9,34
